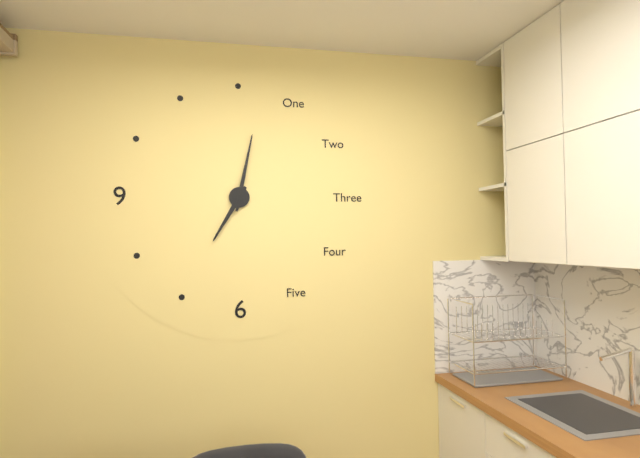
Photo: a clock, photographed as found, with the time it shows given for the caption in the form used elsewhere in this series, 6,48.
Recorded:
7,02
